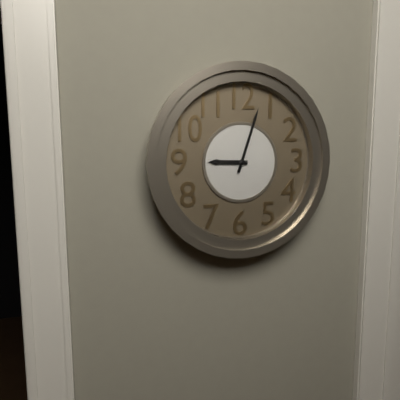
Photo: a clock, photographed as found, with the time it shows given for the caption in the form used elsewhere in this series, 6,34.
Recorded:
9,03
